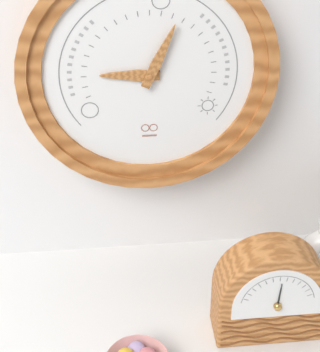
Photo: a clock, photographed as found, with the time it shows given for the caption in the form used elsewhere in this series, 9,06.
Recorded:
9,04
